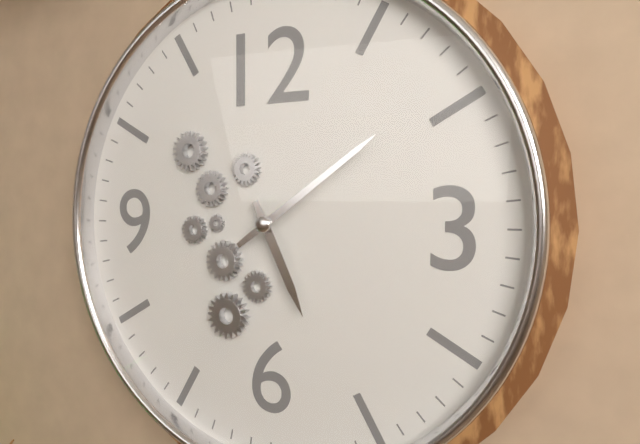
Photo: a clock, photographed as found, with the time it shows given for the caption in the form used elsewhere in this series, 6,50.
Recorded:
5,09
